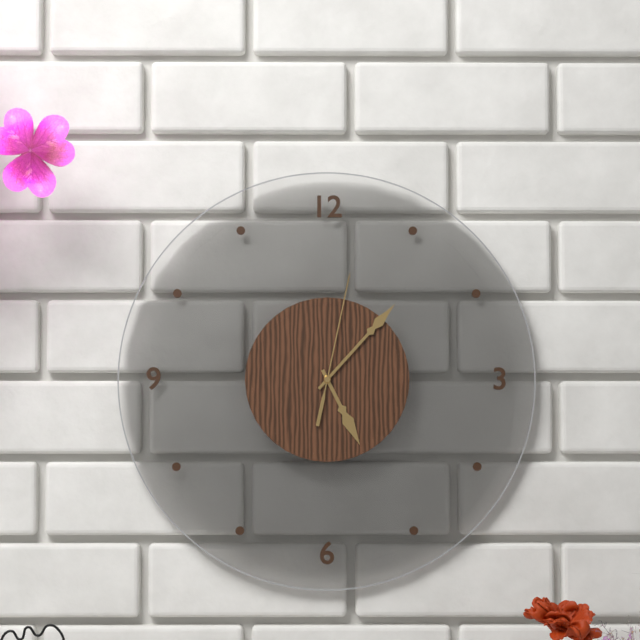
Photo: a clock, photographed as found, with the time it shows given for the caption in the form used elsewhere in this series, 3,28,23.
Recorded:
5,07,02
